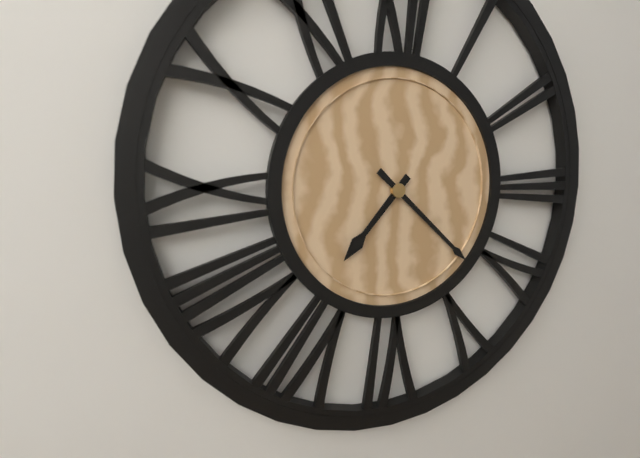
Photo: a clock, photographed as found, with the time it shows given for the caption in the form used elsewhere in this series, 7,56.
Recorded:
7,22
